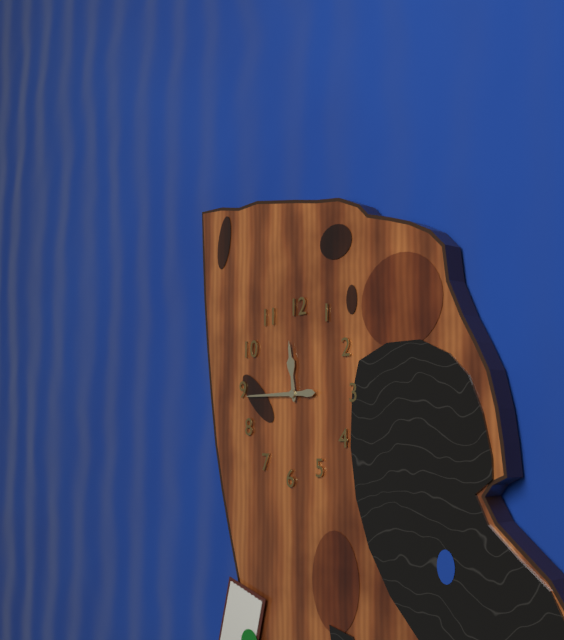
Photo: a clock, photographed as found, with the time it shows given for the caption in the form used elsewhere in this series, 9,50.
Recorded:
11,45
